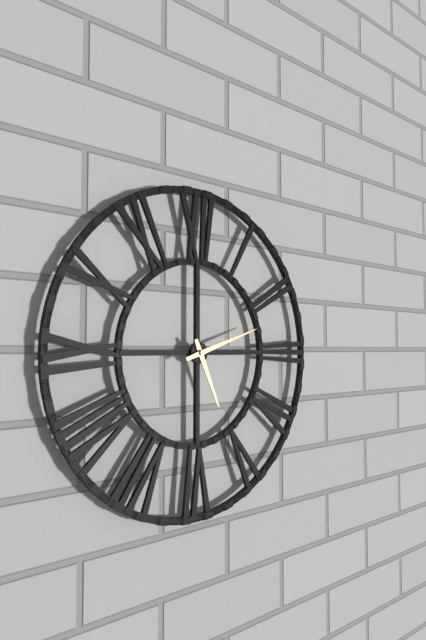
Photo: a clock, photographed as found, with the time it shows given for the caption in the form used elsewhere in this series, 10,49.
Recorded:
5,12
